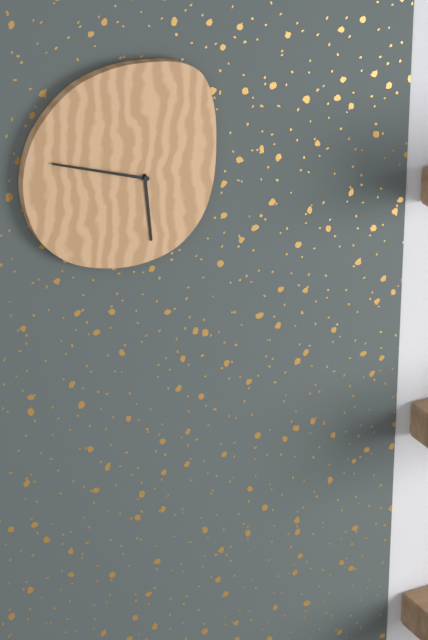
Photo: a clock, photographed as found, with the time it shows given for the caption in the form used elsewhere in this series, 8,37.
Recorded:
5,48
